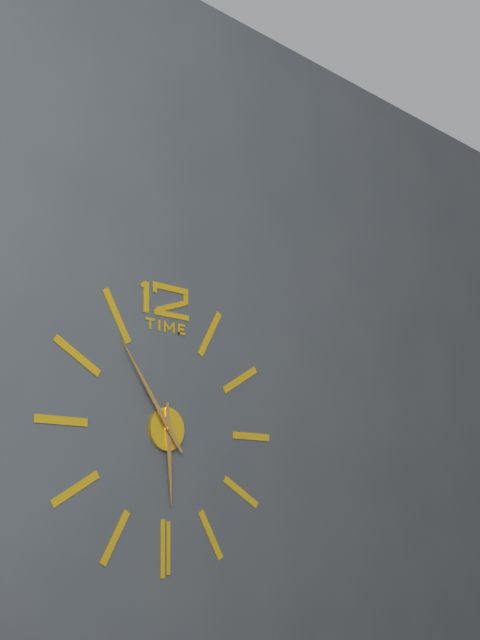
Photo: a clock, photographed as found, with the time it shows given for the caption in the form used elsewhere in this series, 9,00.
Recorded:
5,54
